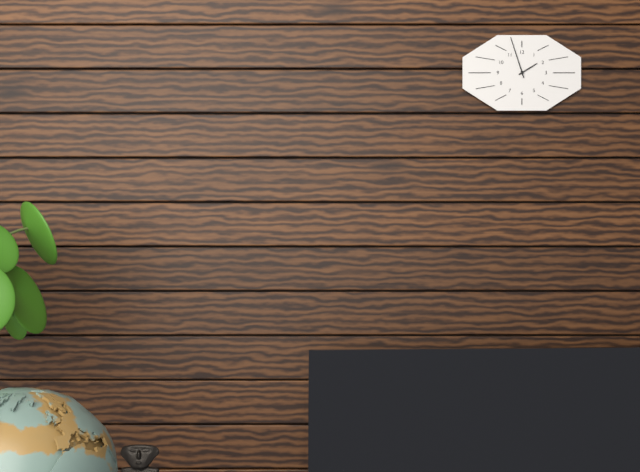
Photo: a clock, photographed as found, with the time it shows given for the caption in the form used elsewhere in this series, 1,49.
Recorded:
1,57
